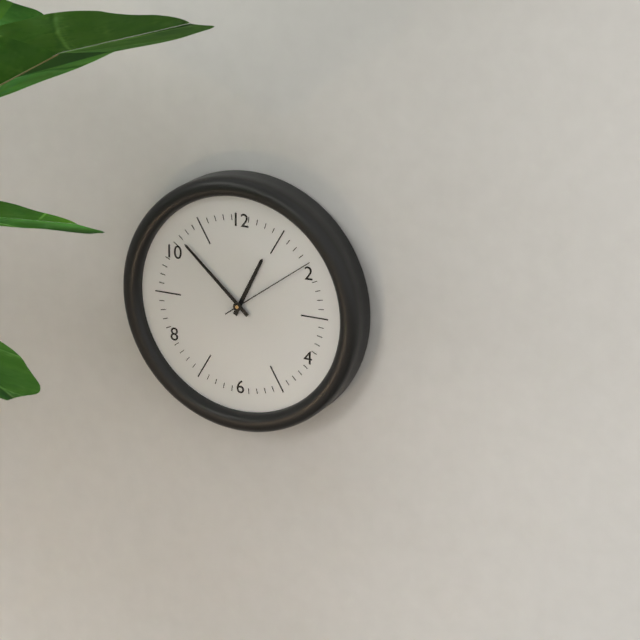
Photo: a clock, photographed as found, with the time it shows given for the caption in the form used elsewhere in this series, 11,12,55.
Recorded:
12,52,09
